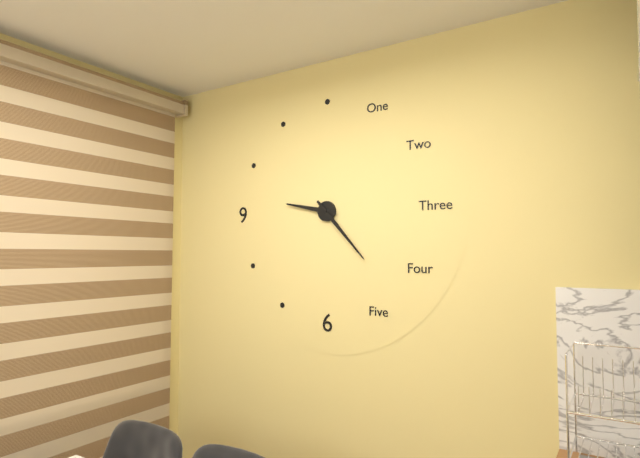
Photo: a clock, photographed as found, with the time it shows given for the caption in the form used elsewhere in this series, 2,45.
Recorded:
9,23
